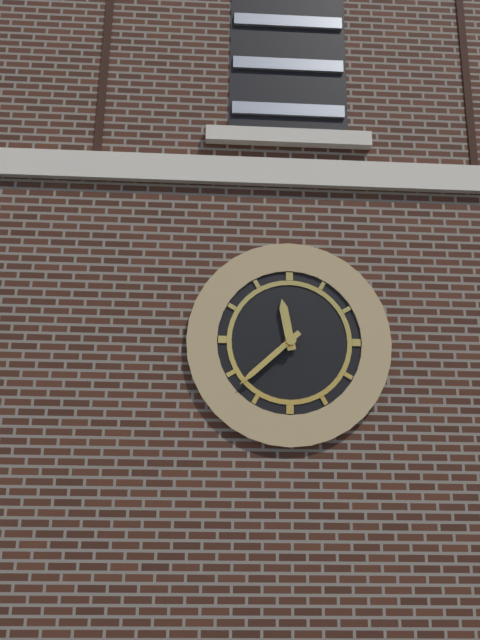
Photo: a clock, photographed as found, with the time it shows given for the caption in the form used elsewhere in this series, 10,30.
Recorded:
11,38
